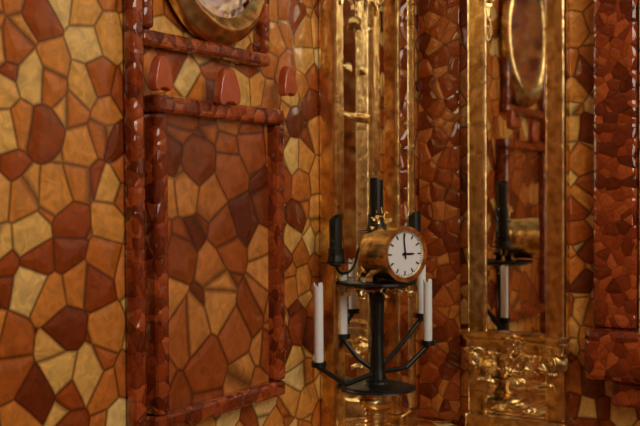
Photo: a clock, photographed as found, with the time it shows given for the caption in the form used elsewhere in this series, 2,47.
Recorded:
2,59
